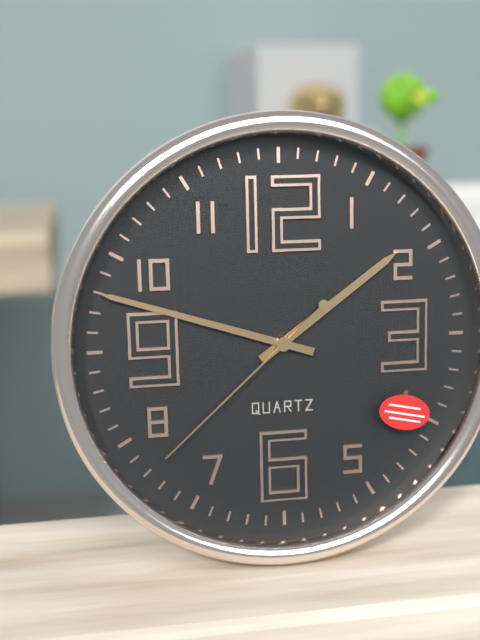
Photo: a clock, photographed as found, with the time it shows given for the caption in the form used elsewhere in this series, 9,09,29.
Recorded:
1,48,38
